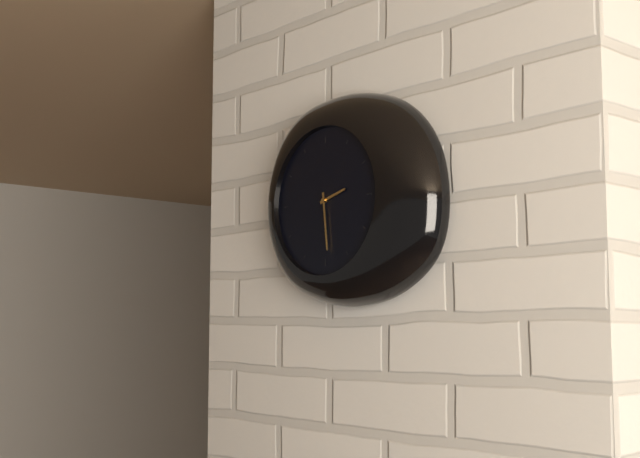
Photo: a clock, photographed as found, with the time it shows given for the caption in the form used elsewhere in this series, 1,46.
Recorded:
2,29
